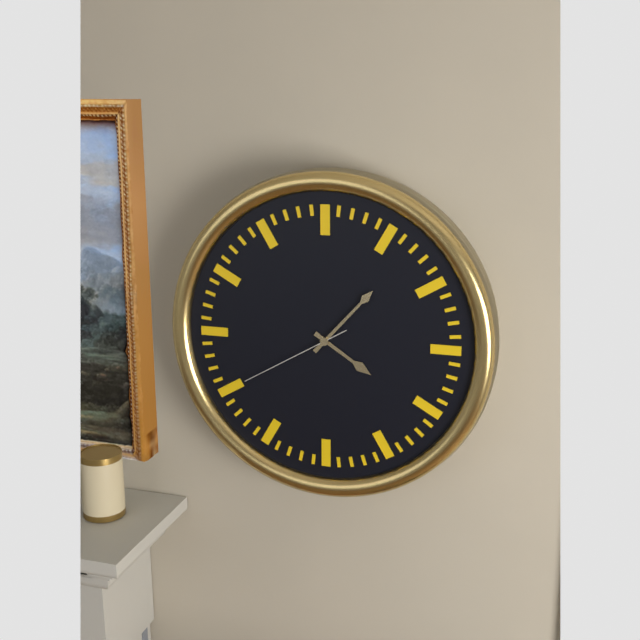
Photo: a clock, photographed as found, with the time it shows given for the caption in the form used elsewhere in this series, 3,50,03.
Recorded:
4,07,40
